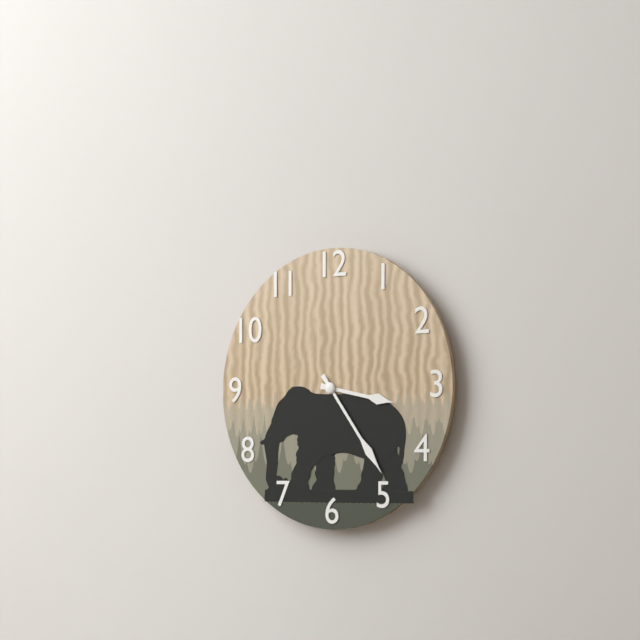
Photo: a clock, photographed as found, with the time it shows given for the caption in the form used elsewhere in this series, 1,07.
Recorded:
3,24
